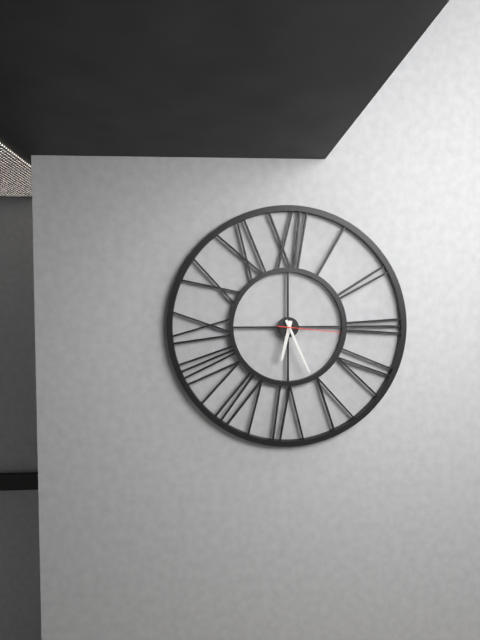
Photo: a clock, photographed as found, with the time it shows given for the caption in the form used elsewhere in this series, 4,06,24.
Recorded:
6,26,16
